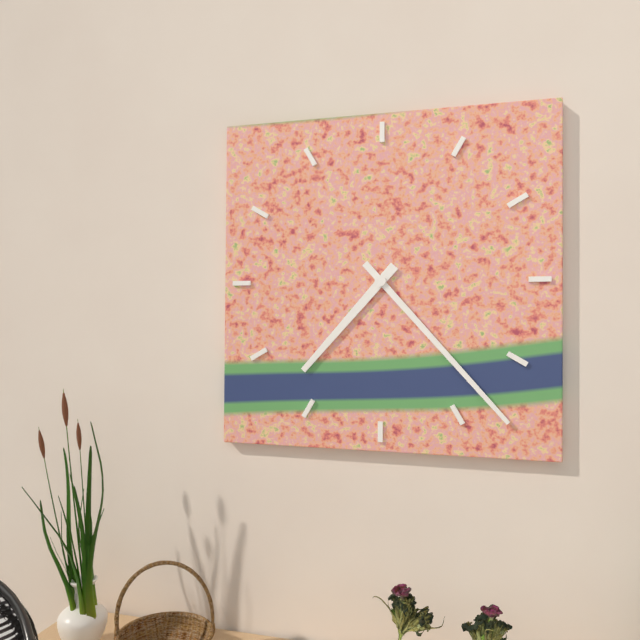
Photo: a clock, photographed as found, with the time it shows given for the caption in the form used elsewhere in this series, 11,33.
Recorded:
7,23
